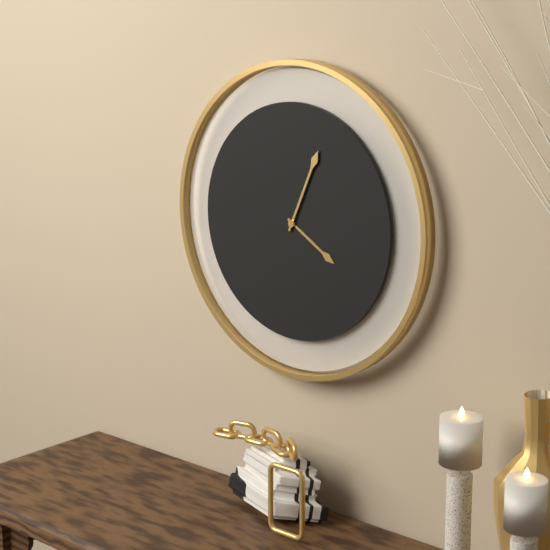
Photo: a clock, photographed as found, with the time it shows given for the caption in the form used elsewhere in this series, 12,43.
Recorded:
4,04
